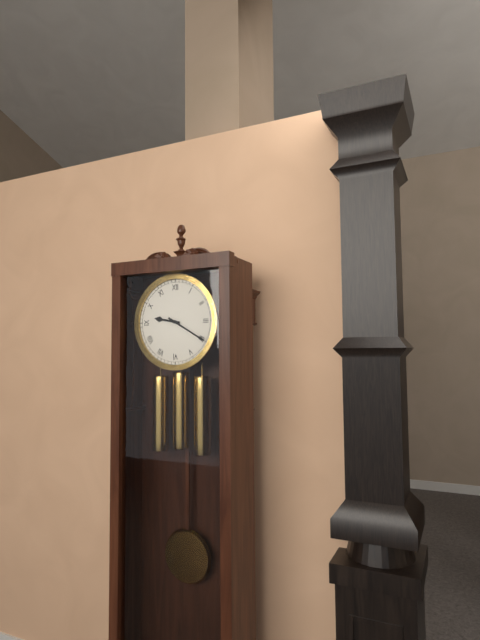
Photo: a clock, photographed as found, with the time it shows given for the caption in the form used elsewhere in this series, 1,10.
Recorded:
9,20
